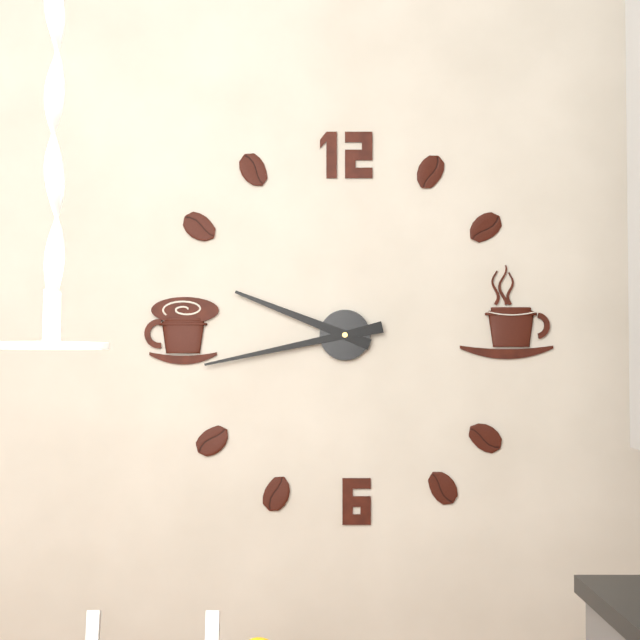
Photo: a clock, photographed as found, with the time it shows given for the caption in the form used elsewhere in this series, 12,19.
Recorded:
9,43
